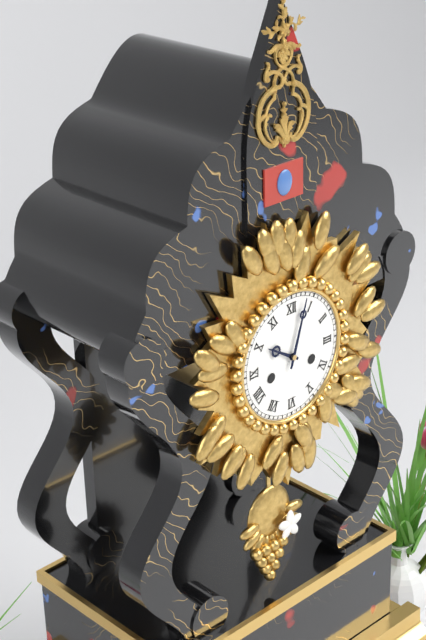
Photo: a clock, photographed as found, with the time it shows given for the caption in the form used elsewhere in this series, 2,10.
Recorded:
10,03
